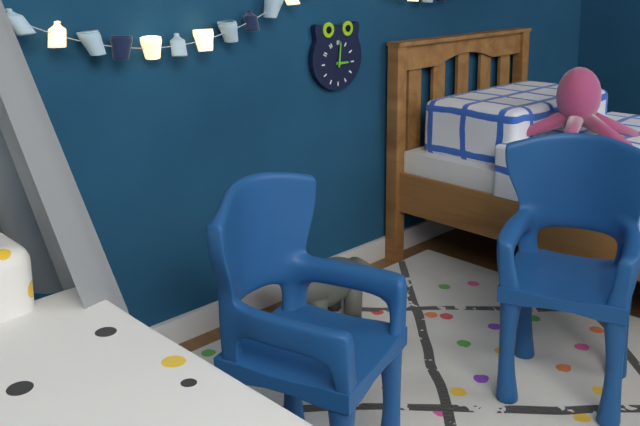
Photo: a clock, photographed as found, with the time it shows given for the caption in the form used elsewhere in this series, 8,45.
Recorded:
3,01
